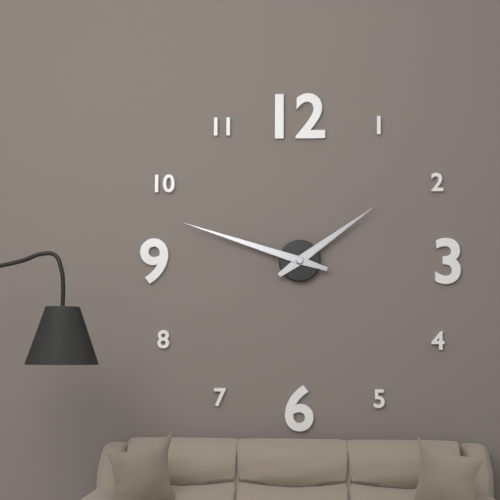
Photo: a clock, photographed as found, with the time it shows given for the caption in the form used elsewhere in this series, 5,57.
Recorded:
1,48
